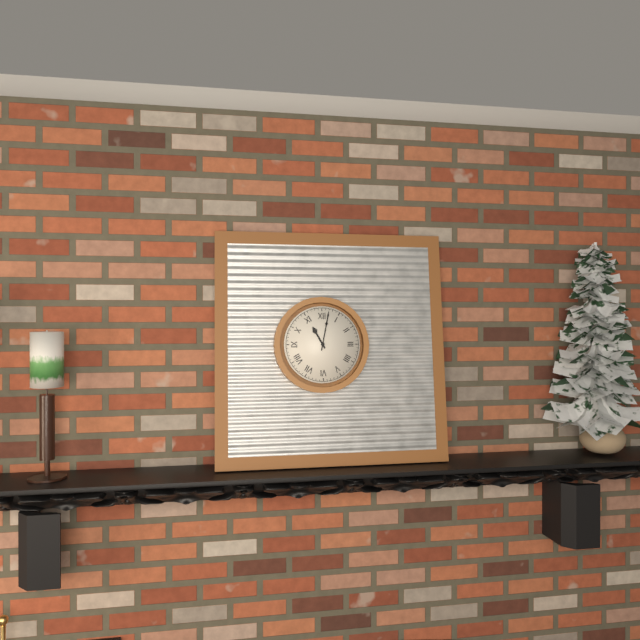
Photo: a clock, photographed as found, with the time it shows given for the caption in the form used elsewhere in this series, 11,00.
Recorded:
11,02
